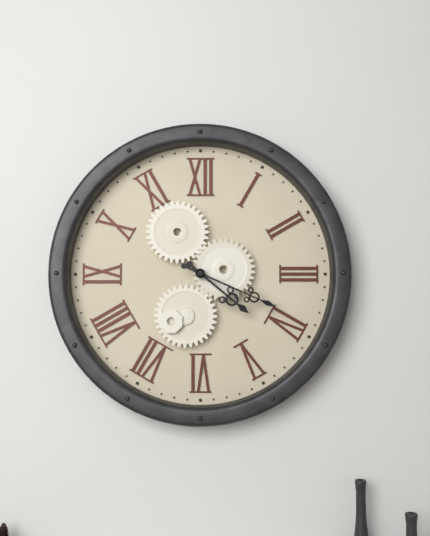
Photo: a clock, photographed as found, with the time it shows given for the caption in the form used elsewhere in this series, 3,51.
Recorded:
4,19
